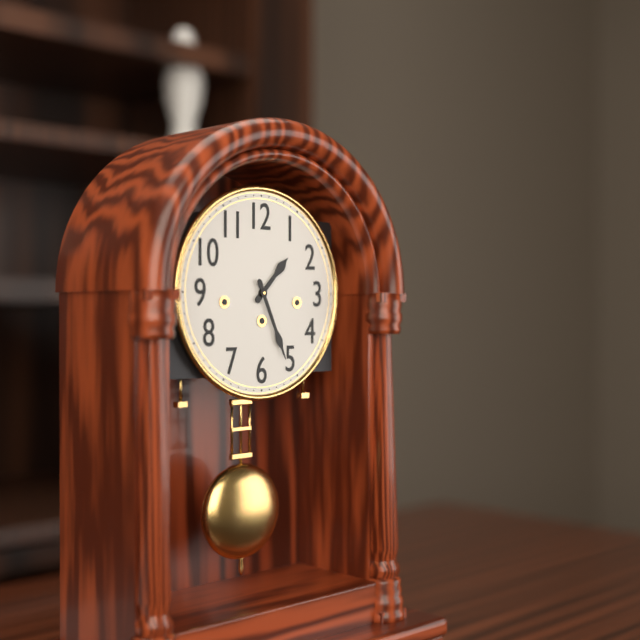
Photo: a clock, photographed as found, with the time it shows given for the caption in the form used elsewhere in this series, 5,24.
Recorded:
1,26
